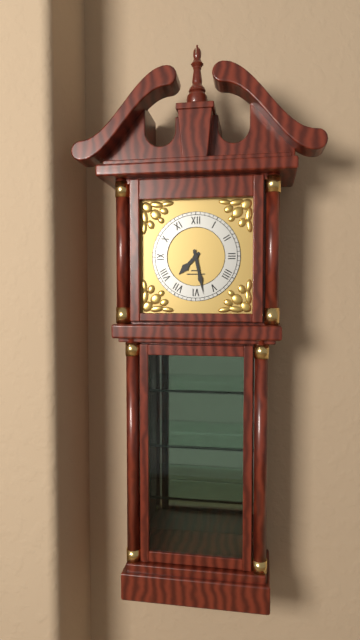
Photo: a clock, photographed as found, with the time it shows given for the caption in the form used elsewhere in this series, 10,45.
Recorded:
7,28
